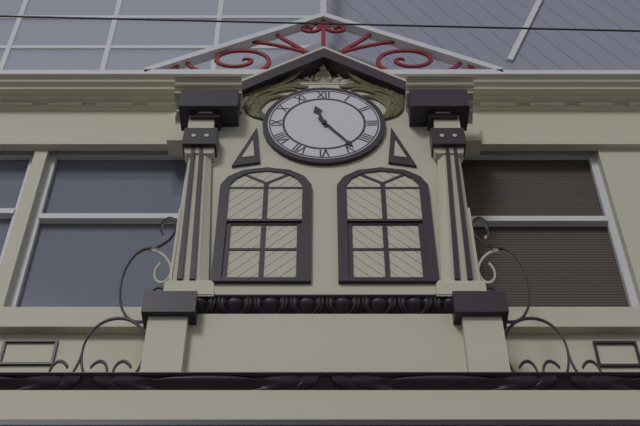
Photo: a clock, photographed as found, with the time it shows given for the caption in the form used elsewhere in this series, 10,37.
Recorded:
11,24
